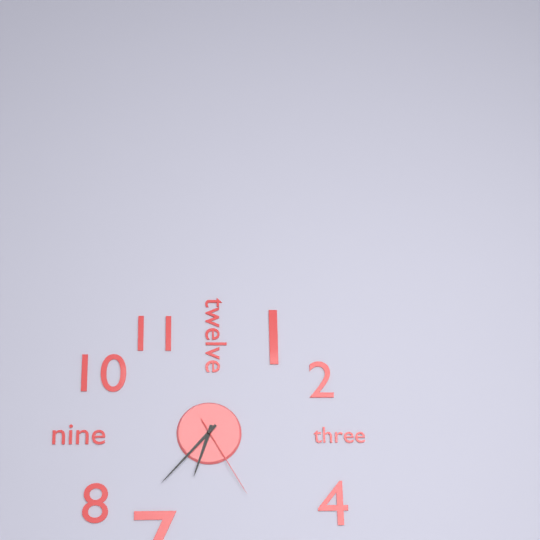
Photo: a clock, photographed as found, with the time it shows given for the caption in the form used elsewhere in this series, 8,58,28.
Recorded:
6,37,25
